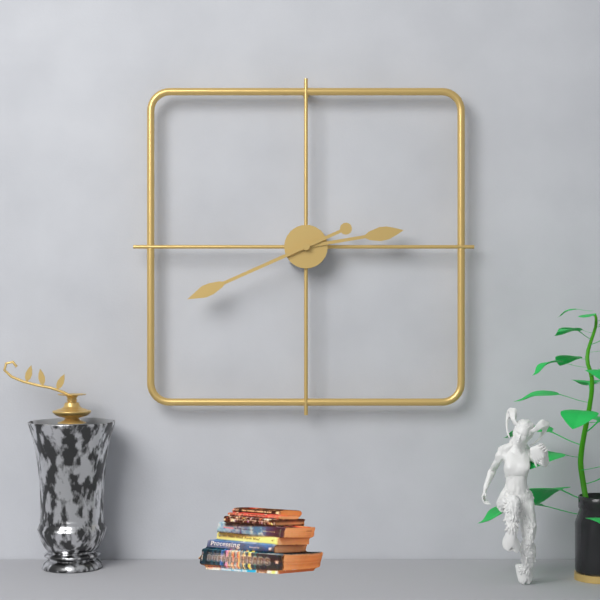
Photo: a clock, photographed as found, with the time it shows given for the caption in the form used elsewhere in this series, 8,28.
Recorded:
2,41
